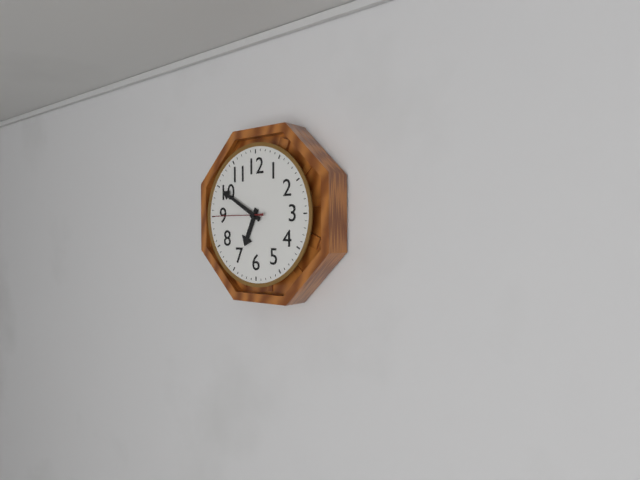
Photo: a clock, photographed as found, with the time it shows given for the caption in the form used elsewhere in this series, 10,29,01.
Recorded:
6,50,45
